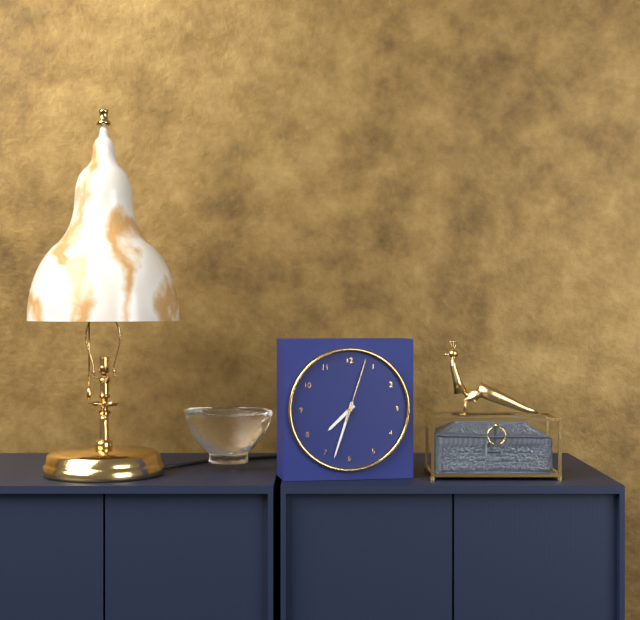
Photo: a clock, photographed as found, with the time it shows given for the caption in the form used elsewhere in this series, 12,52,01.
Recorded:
7,33,03
